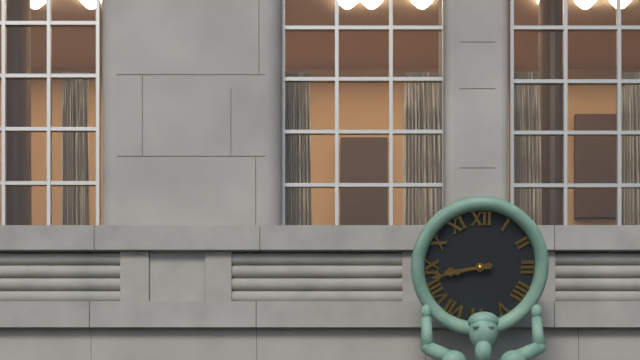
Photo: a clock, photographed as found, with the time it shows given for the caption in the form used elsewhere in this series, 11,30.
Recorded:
8,43
